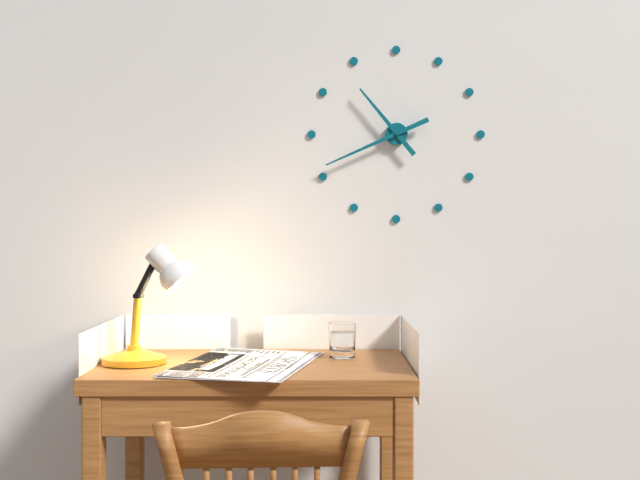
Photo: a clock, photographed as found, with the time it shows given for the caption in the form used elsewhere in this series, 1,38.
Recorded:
10,41
